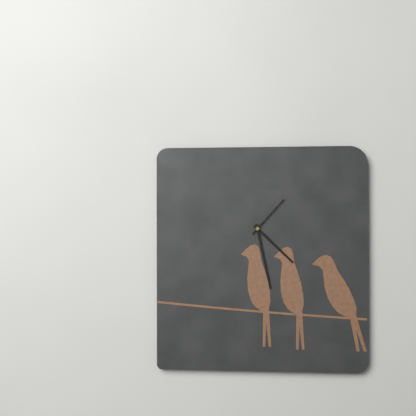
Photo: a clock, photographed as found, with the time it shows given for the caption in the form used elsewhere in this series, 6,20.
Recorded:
4,28
